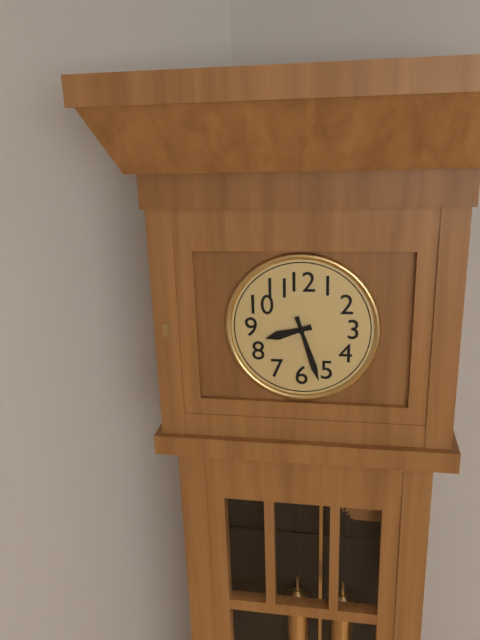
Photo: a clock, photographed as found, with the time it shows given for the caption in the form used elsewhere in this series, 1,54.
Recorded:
8,27
